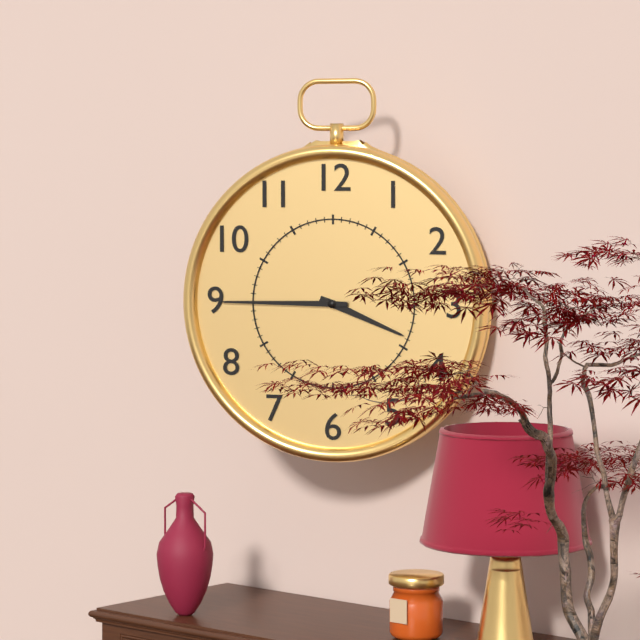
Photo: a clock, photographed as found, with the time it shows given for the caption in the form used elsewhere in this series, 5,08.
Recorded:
3,45
